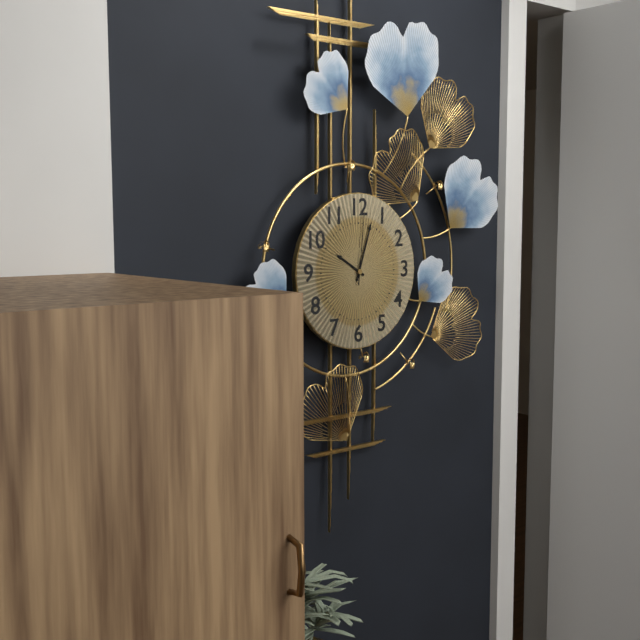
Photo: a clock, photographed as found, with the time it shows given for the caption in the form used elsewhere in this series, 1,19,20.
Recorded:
10,03,01
